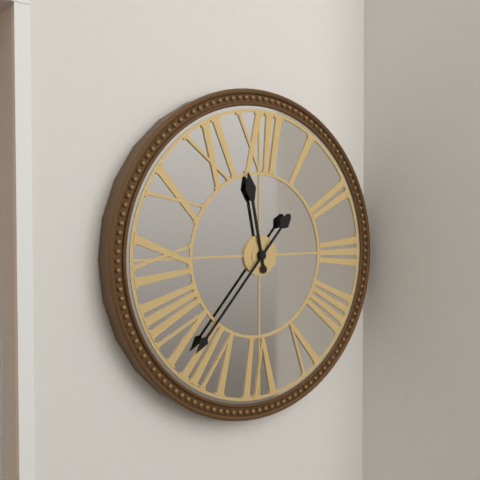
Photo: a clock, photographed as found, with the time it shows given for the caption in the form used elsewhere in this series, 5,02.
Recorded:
11,37
